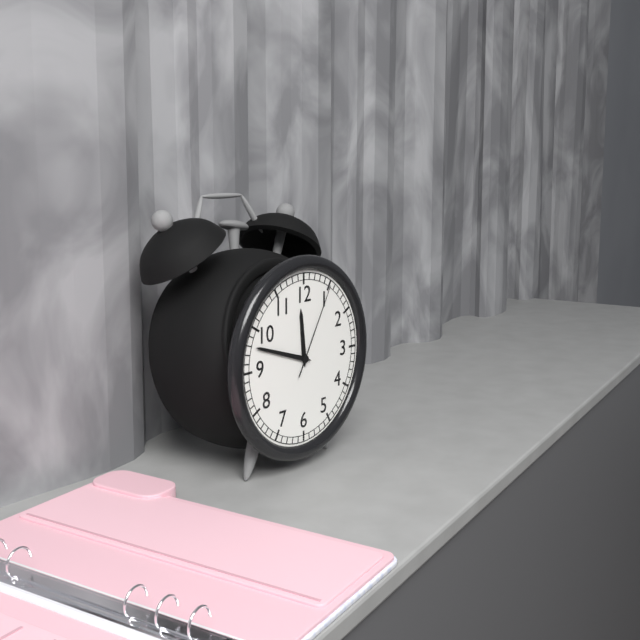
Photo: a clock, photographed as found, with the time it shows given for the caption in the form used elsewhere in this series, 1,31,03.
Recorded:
11,48,05
